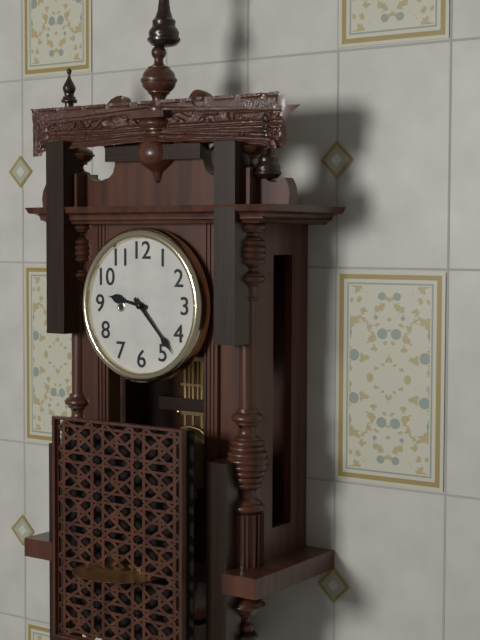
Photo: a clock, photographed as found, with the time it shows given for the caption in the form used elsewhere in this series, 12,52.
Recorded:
9,23
